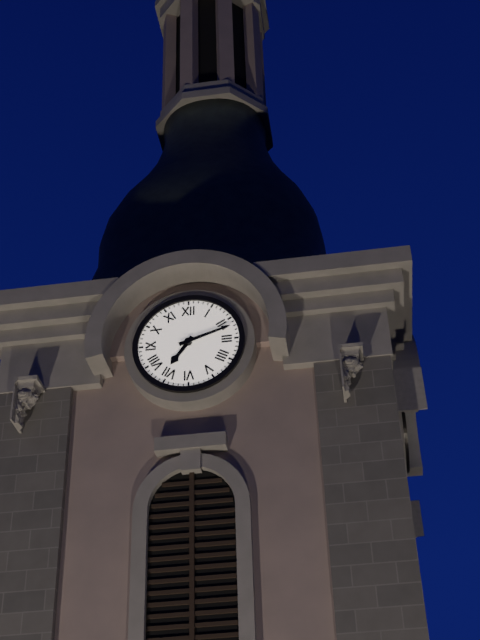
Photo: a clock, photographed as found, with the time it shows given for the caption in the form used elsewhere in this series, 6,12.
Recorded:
7,12
